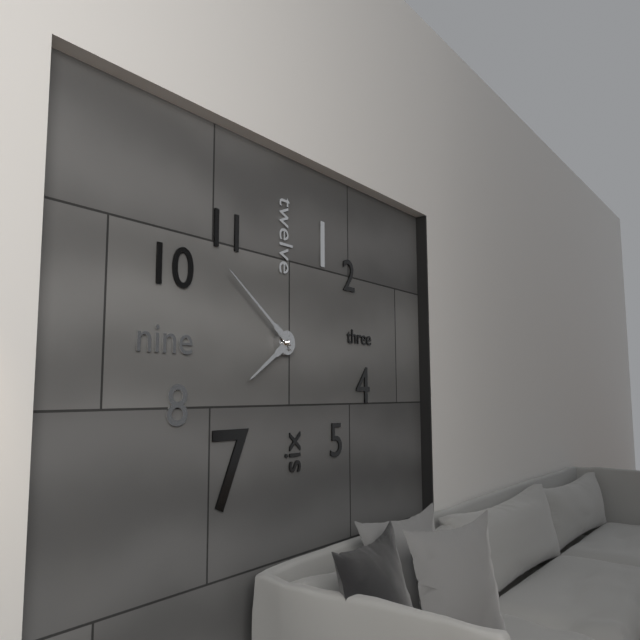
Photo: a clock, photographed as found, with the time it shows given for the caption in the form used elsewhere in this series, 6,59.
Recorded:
7,51
